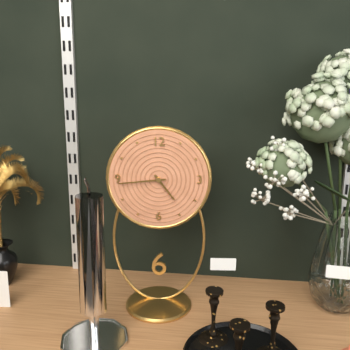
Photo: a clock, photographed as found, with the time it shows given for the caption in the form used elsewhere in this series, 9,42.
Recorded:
4,44
